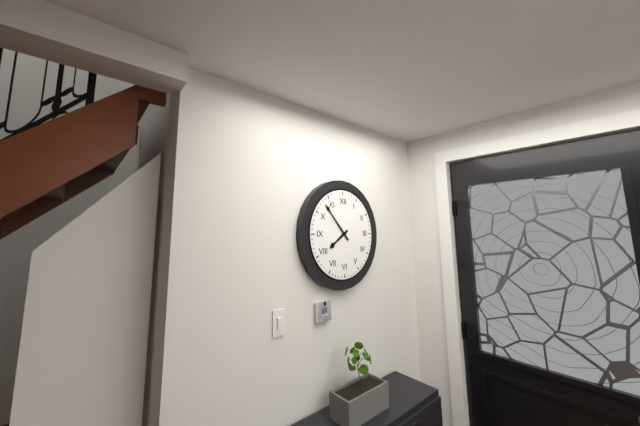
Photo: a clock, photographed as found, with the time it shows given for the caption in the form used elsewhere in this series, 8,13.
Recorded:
7,53
